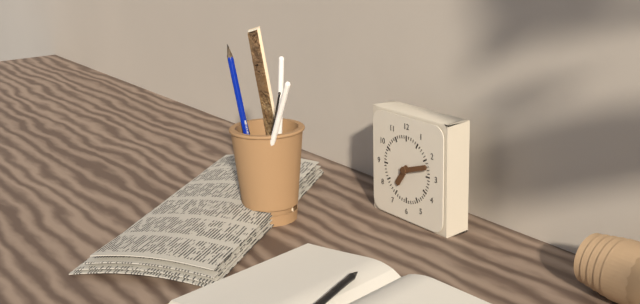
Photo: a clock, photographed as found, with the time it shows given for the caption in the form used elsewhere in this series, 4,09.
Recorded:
7,12
